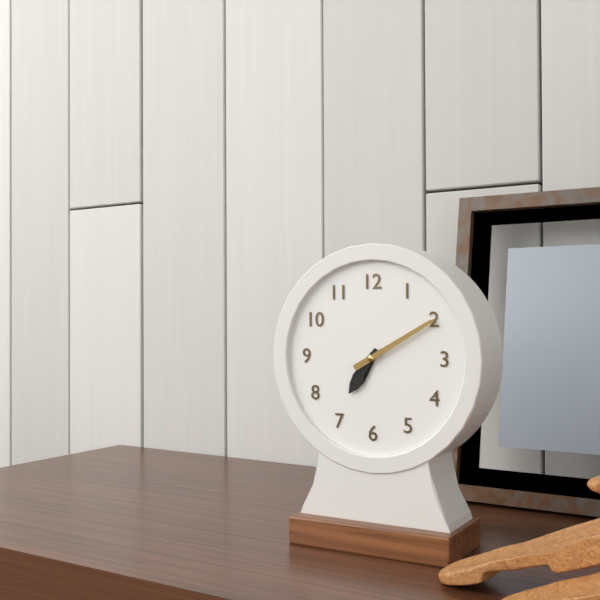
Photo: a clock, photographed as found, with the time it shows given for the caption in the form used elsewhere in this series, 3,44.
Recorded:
7,10
